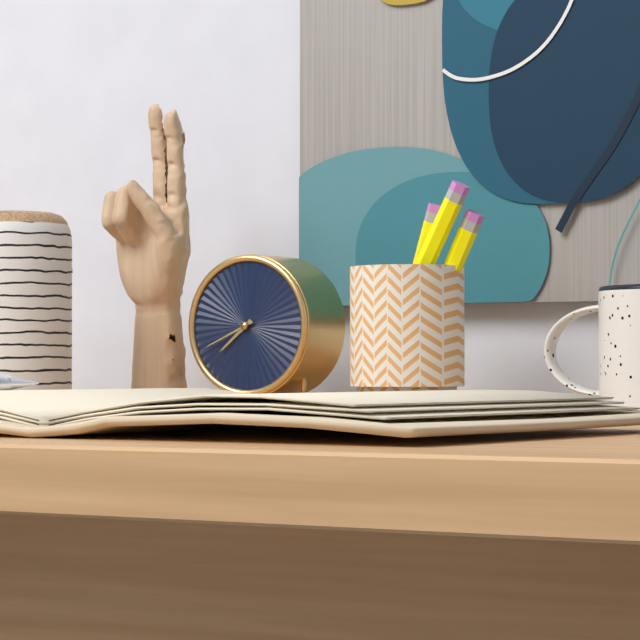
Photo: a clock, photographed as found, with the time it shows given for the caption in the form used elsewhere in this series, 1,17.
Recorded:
7,41
